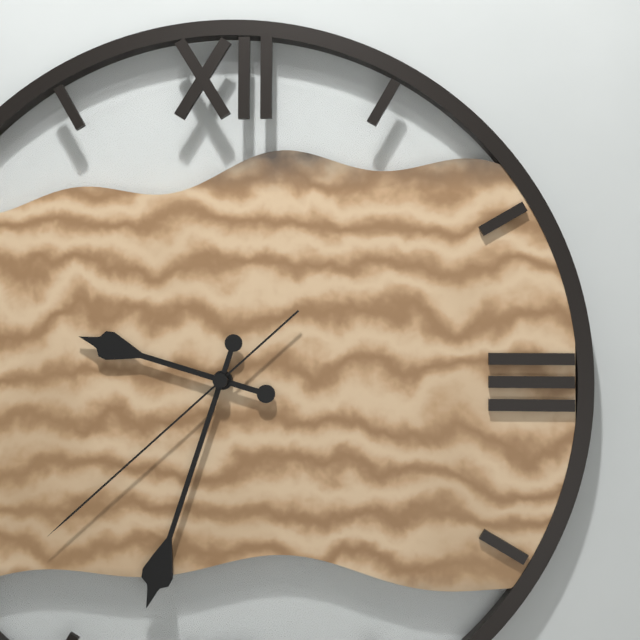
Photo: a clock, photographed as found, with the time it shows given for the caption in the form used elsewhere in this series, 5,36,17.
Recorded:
9,33,38
